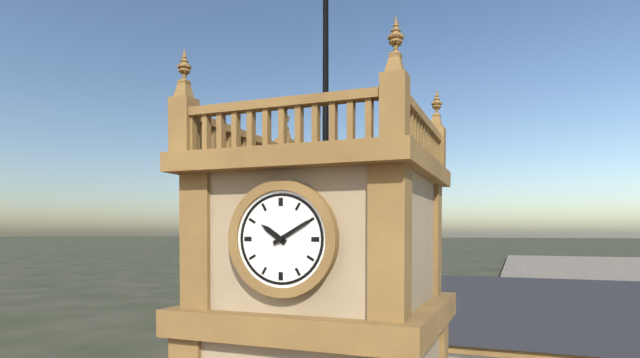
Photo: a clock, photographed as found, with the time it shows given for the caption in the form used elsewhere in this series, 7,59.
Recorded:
10,10
